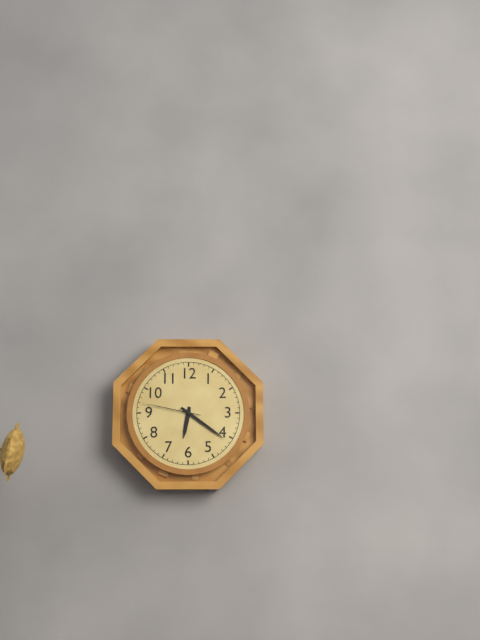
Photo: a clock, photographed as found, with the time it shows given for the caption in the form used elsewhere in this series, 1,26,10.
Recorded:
6,21,47
